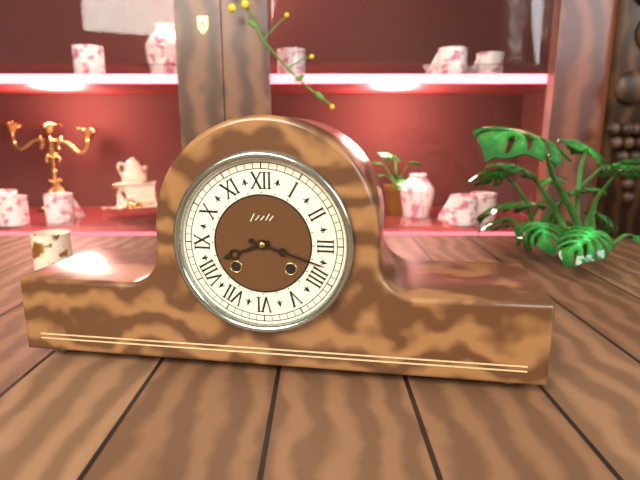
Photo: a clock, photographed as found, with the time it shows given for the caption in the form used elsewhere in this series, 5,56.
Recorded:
8,18
